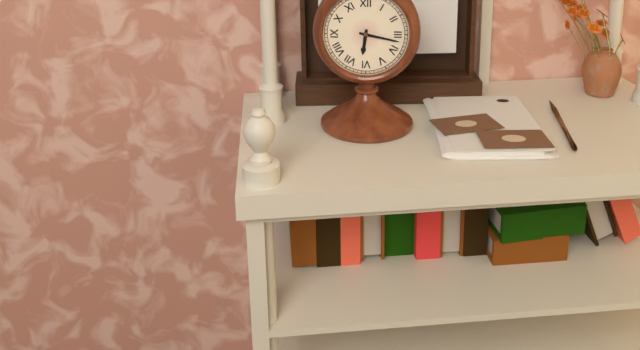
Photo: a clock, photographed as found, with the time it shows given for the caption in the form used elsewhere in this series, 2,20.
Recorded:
6,17
